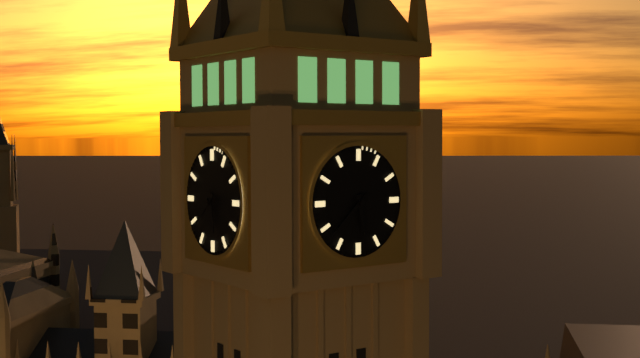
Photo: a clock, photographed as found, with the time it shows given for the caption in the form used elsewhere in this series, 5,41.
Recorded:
5,38
